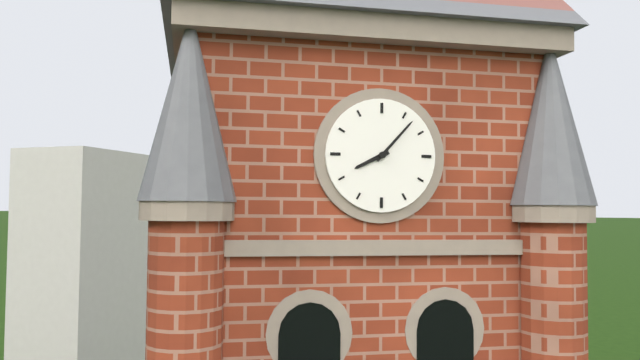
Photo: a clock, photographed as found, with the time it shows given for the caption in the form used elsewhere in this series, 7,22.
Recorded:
8,07
